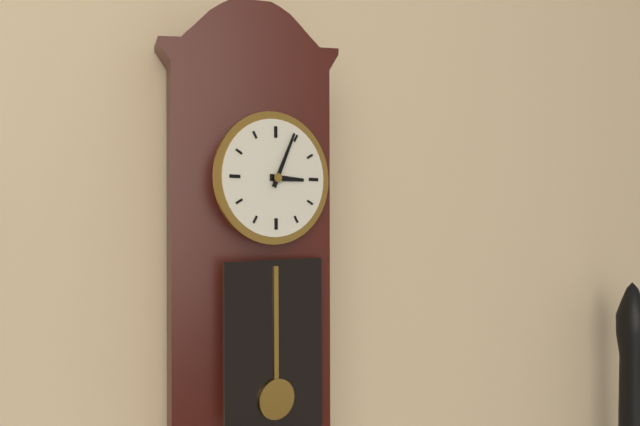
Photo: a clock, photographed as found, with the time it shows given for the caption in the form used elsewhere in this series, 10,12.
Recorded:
3,04
